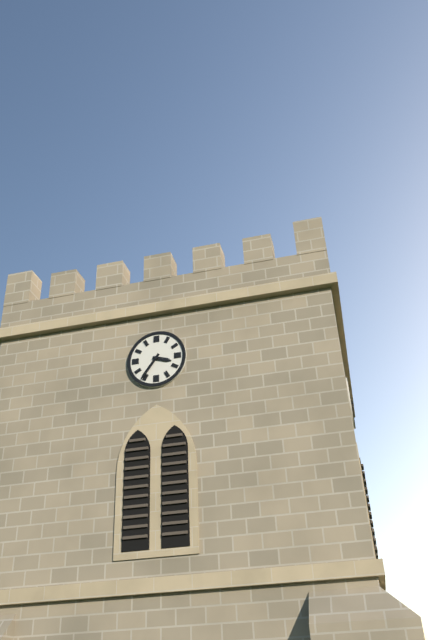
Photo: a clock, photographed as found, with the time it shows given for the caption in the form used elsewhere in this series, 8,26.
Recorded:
3,36
